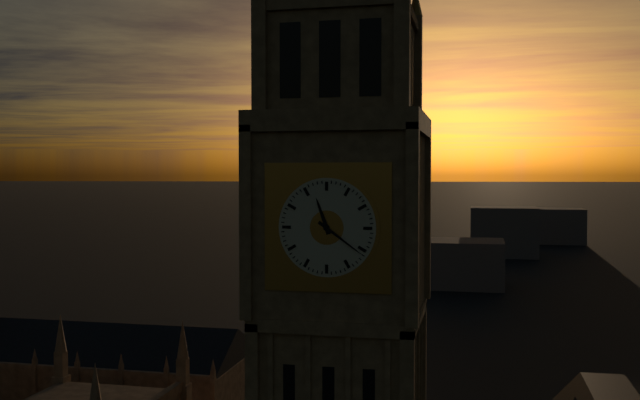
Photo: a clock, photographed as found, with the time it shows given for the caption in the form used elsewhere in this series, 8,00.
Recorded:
11,21
